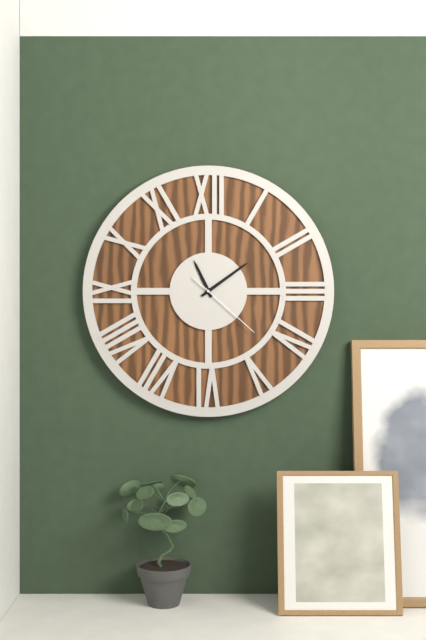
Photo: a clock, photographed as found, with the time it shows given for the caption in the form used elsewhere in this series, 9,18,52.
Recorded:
11,09,22
